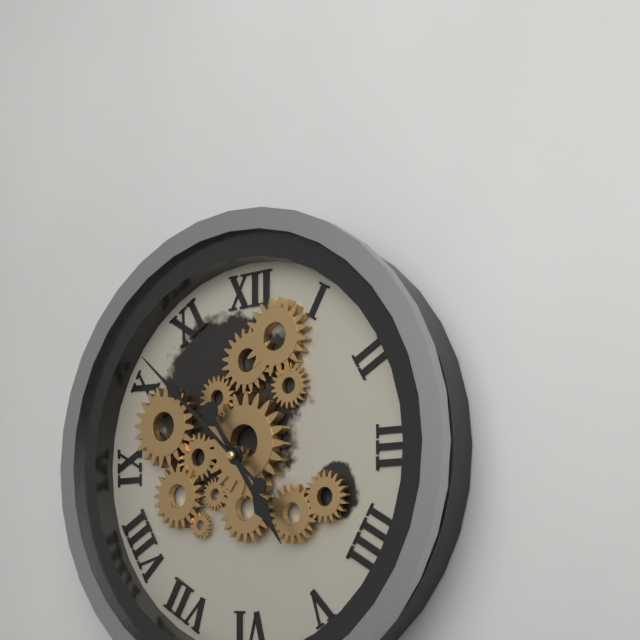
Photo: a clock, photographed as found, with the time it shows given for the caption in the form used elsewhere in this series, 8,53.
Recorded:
4,52
